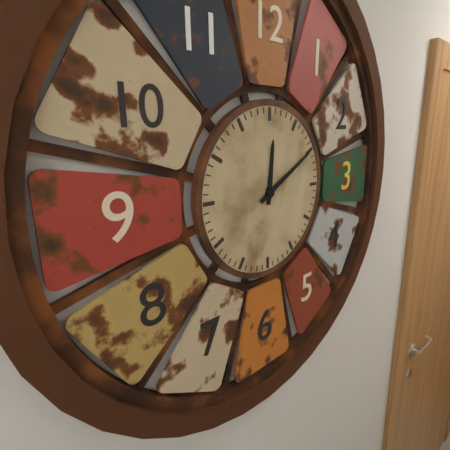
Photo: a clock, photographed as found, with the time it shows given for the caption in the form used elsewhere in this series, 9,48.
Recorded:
12,10
